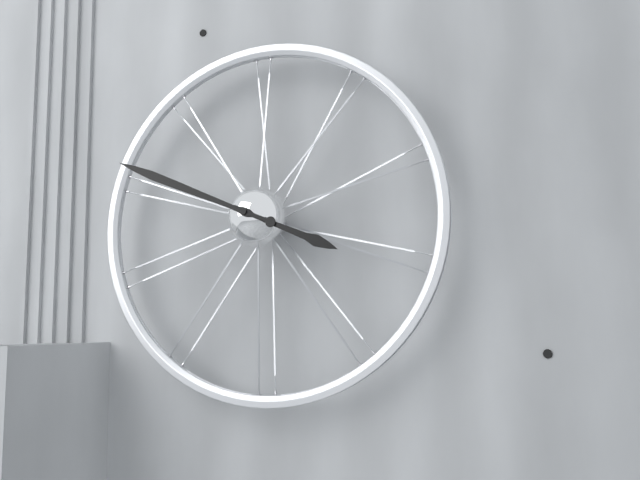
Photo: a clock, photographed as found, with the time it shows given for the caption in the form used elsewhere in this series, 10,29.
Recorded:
3,49
